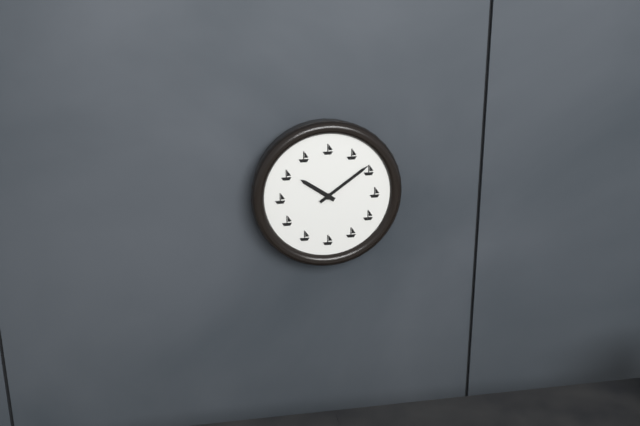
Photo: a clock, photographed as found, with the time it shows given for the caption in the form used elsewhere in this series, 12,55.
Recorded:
10,09
